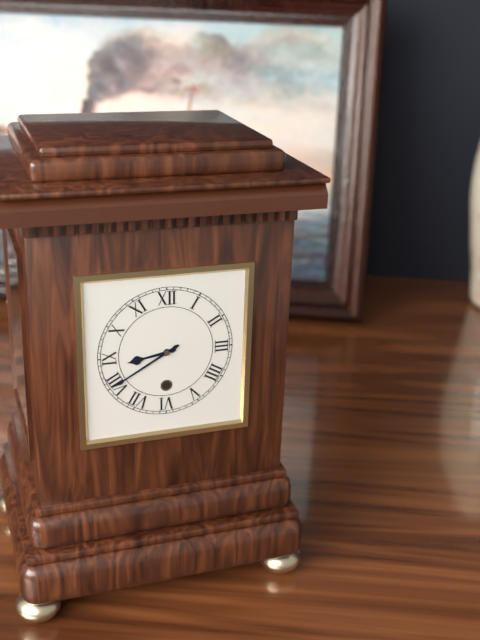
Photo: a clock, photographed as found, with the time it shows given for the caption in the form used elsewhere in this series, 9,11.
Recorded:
8,40
